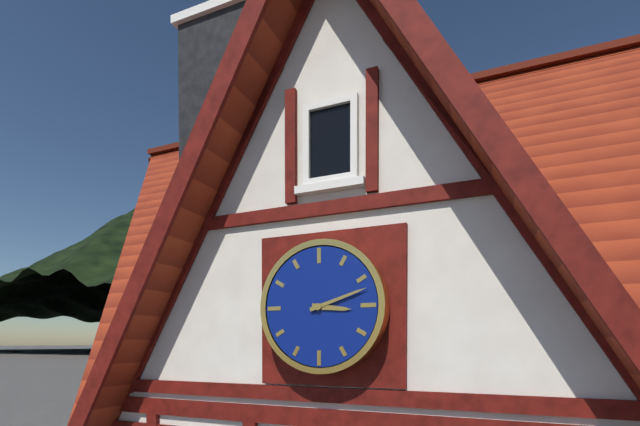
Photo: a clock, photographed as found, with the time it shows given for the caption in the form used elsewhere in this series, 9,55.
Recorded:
3,12
